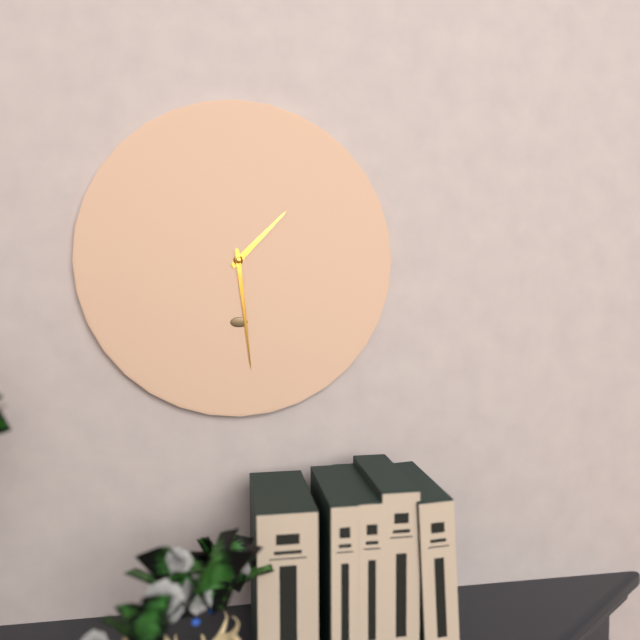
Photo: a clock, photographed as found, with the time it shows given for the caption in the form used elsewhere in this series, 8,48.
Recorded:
1,29
